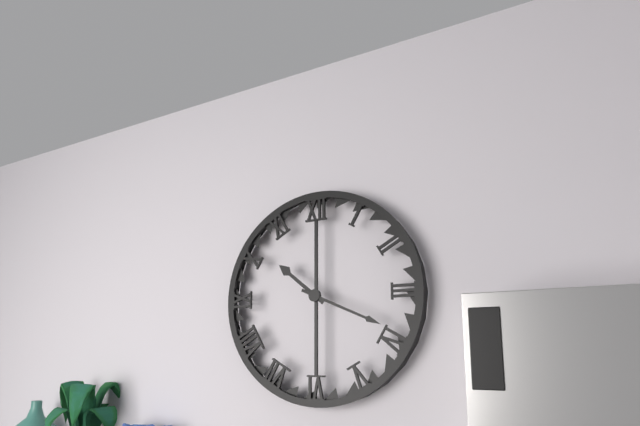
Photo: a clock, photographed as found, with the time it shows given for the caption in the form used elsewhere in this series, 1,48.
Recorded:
10,19
